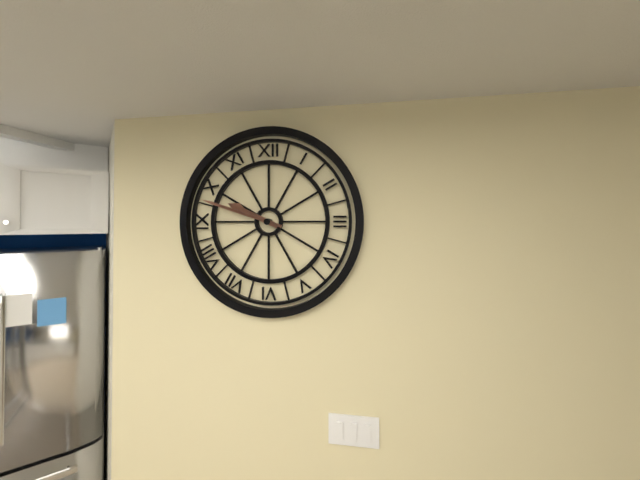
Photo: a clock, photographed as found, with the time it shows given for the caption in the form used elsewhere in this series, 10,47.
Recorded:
9,48
